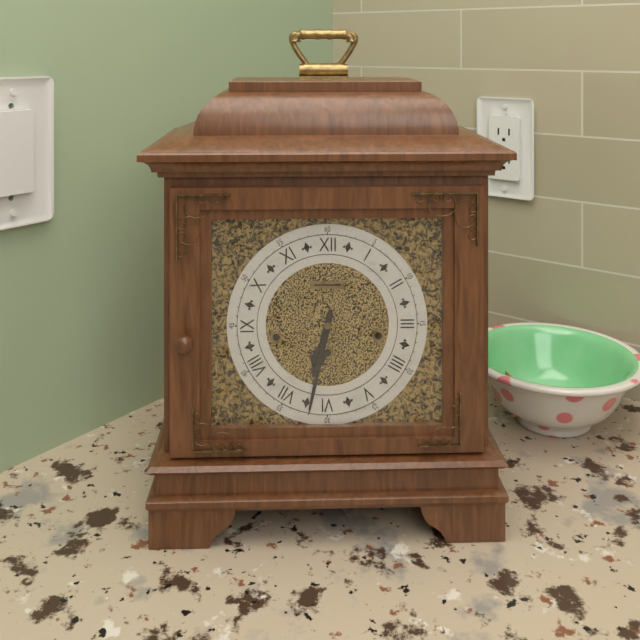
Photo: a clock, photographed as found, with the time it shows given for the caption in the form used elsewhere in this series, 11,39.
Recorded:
6,32
